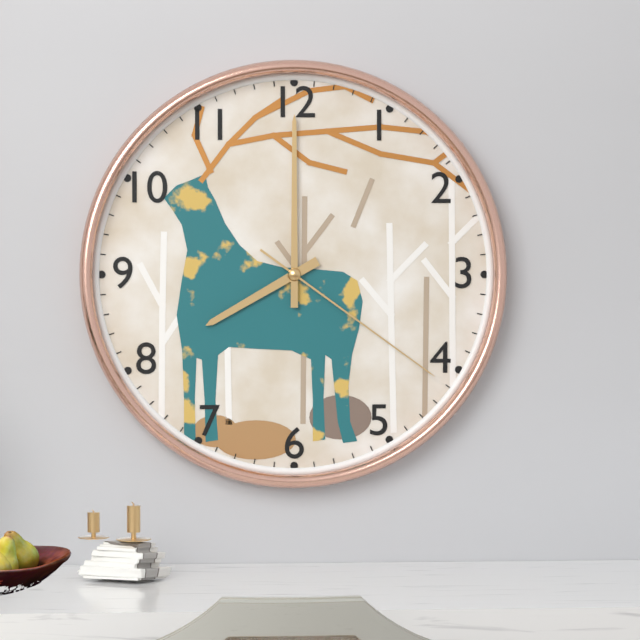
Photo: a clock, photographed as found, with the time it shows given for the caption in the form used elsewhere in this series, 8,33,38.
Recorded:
8,00,21
